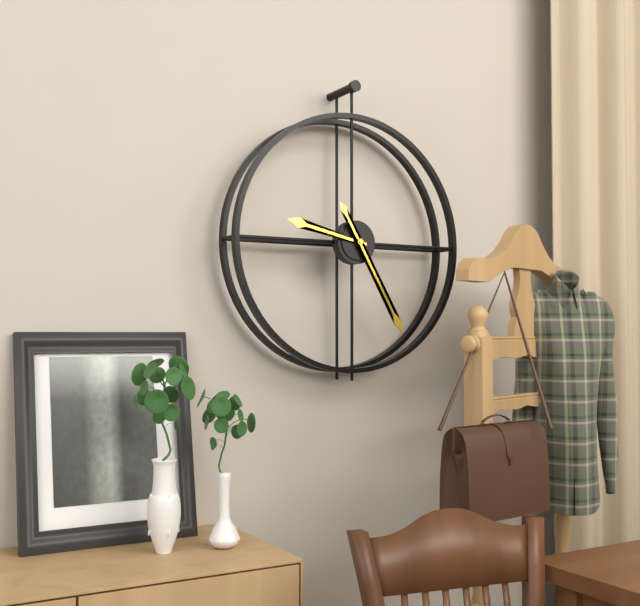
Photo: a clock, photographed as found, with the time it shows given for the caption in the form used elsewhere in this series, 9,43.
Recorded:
9,25
